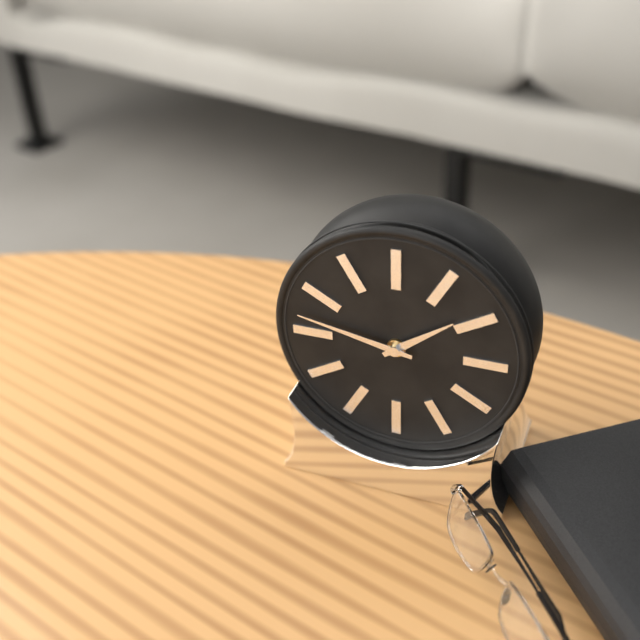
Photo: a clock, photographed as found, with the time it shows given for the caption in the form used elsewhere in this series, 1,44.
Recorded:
1,47
